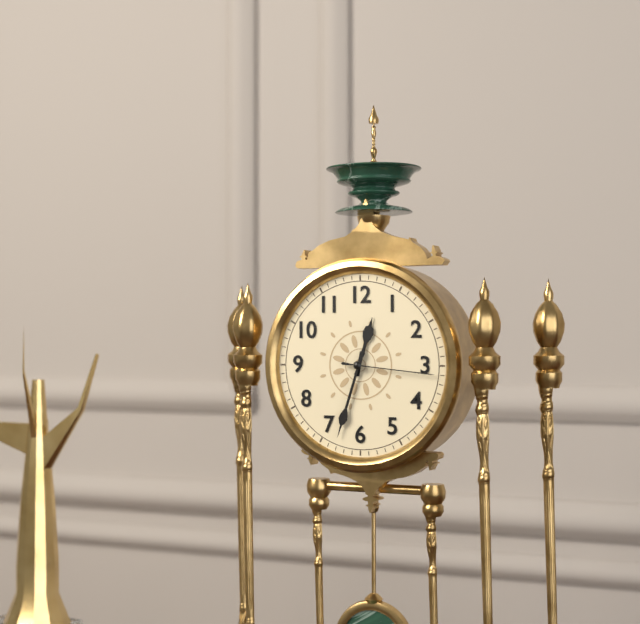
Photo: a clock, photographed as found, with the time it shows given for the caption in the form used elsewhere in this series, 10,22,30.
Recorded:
12,33,16
